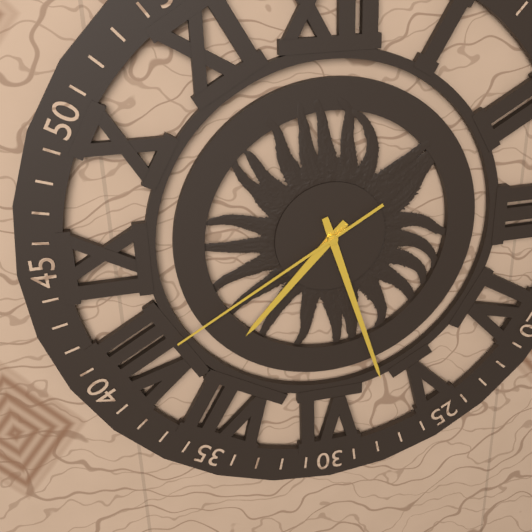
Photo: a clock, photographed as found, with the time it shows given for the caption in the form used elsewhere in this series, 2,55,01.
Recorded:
7,27,40
